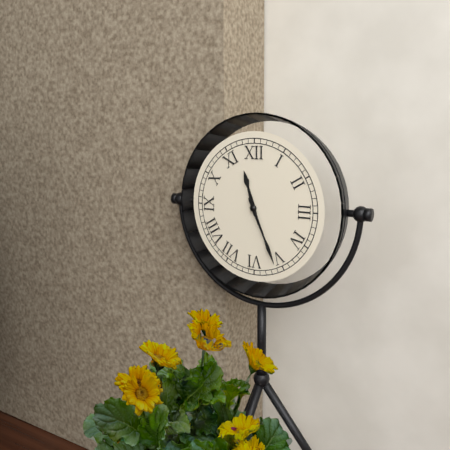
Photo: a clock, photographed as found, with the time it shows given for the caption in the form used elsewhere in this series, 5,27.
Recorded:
11,26
